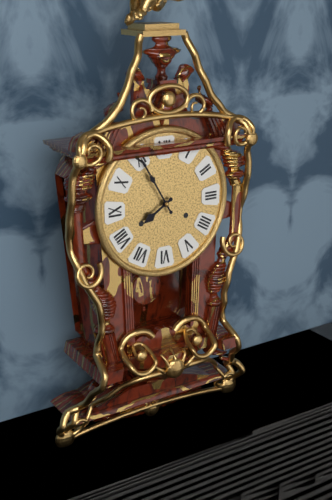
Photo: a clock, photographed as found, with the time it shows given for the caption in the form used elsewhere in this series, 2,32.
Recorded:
7,55
